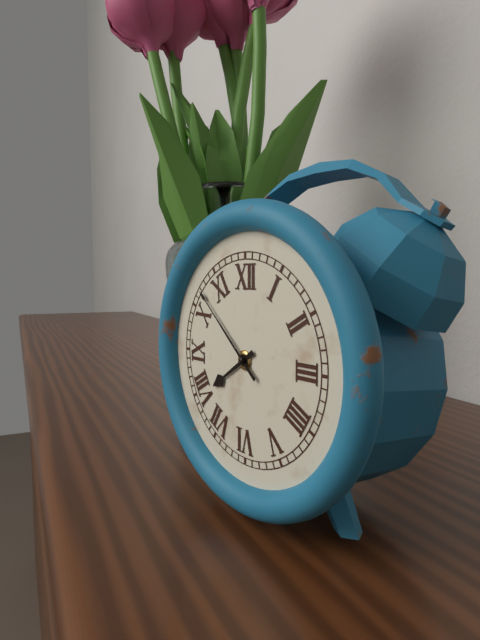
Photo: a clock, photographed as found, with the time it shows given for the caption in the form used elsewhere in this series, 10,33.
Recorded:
7,52
